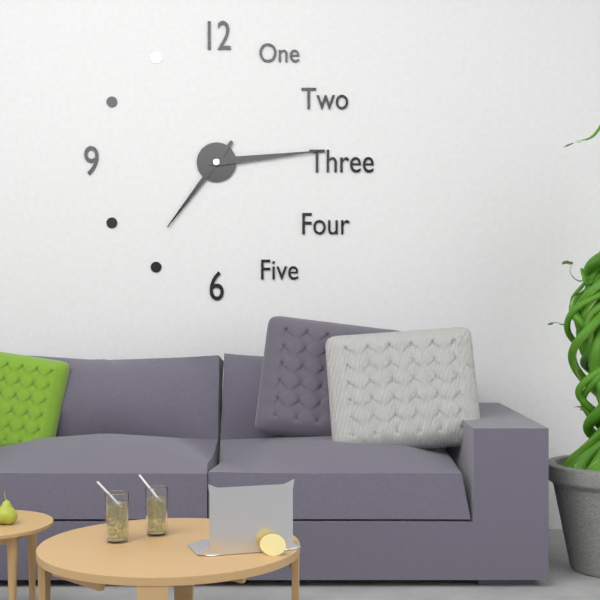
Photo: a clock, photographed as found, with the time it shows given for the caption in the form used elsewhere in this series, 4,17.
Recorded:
7,14
